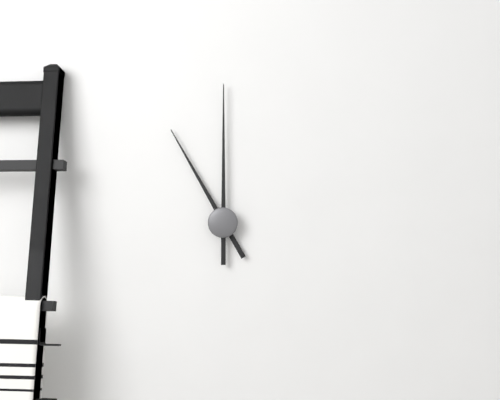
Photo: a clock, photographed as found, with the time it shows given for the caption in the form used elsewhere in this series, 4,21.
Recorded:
11,00
